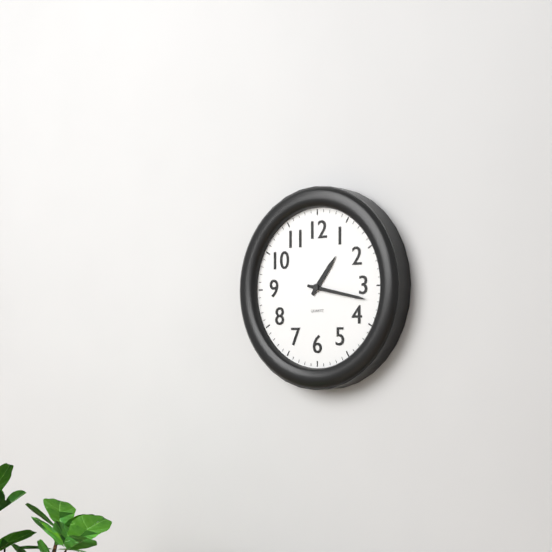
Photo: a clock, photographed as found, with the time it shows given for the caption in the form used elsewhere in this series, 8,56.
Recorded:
1,17
